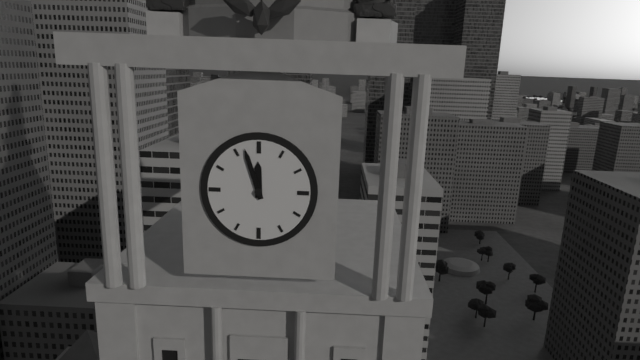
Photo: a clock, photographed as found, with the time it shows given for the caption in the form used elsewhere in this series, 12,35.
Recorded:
11,57
